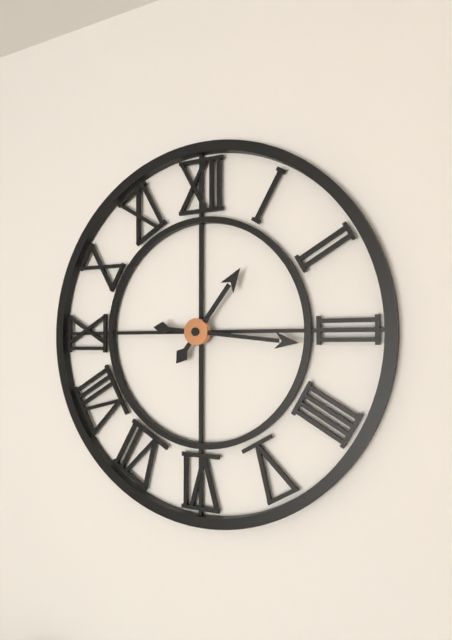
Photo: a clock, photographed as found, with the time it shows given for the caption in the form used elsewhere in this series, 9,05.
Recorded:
1,16
